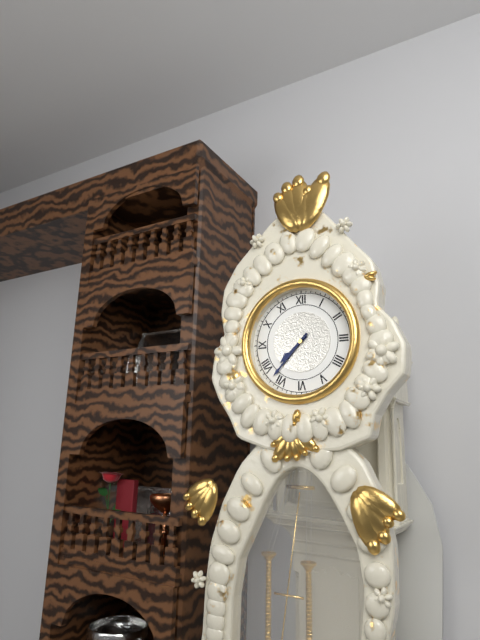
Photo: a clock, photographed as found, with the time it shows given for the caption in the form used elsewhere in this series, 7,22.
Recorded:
7,37
